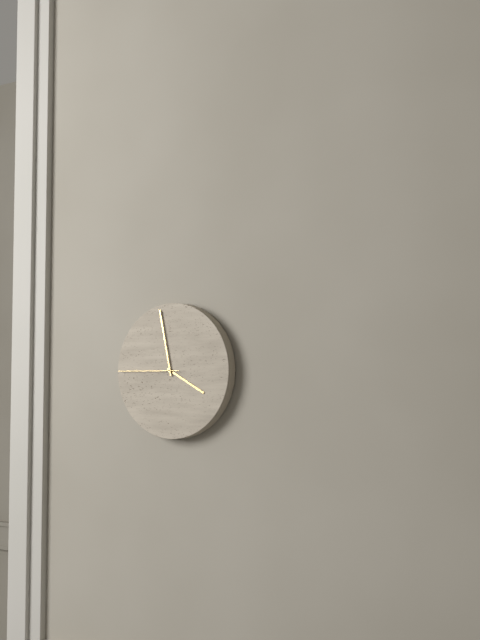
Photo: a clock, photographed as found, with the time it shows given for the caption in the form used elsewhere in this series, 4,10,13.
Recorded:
3,58,45
